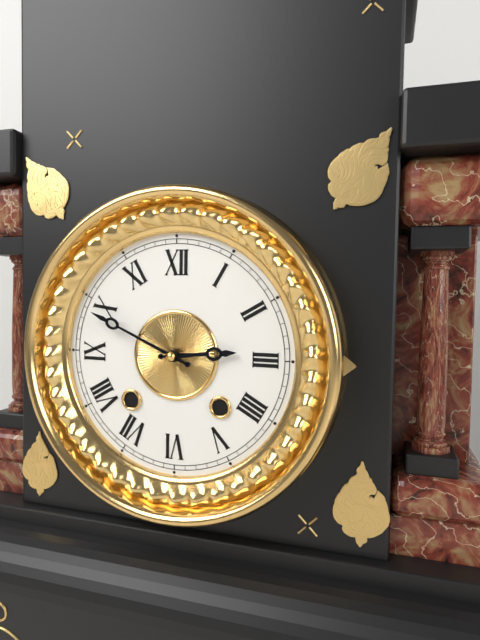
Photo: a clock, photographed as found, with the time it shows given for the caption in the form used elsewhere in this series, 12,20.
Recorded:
2,49
